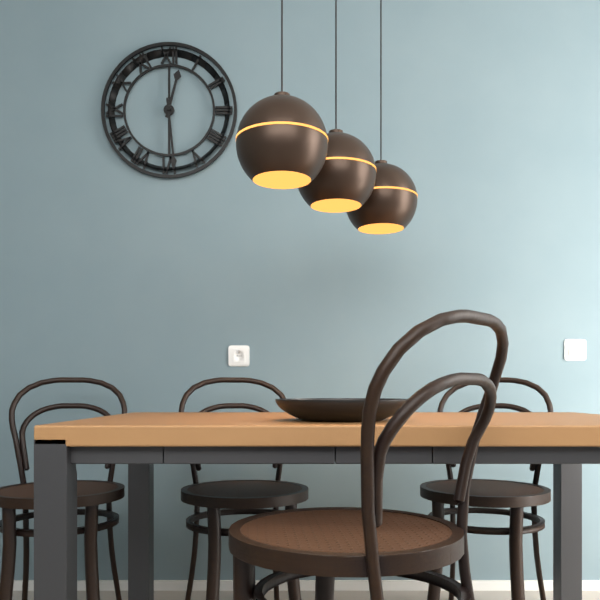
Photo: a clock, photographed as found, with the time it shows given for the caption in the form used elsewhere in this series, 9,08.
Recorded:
12,29
